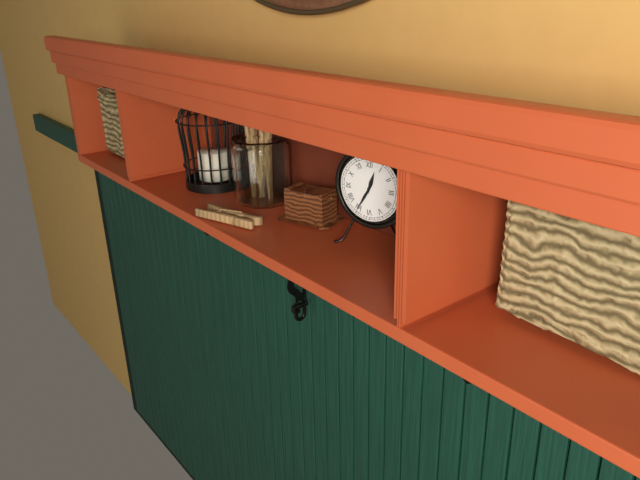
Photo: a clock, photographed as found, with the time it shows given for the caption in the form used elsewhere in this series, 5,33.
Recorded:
12,35
